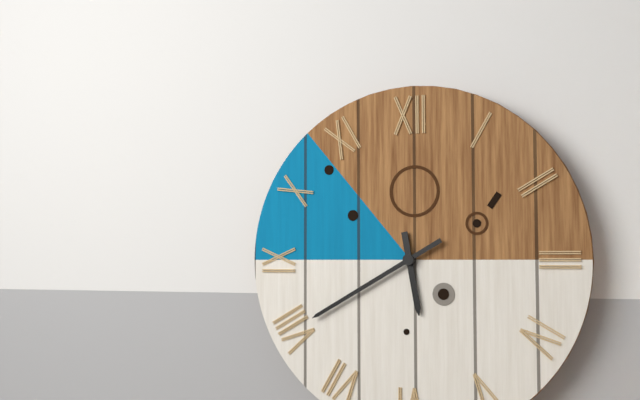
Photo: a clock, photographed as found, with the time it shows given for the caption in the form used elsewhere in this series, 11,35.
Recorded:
5,40
